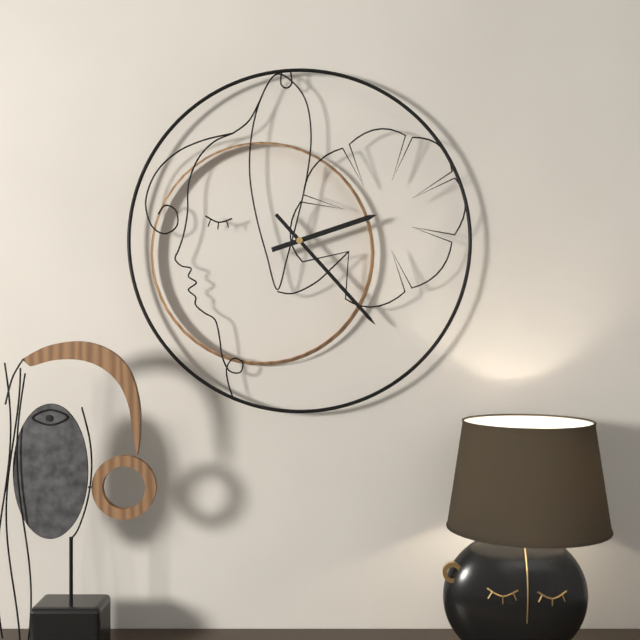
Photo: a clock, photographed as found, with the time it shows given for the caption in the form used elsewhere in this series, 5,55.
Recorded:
2,23
